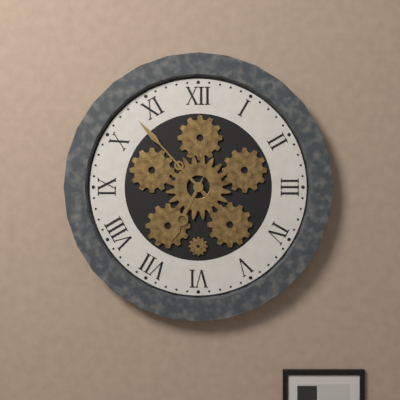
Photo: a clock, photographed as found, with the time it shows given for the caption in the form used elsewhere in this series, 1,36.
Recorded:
6,53
